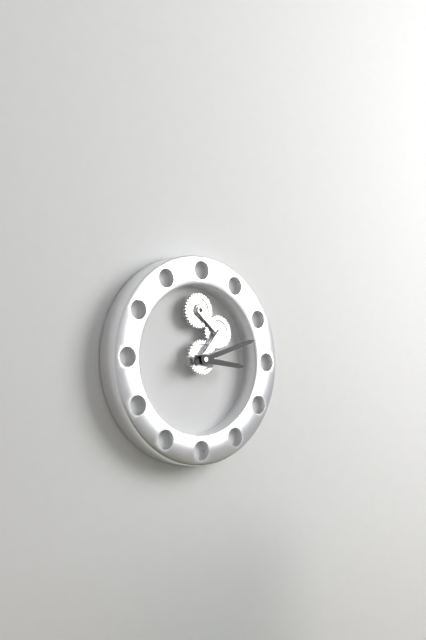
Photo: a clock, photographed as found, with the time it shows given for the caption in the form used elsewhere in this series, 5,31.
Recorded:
3,12
